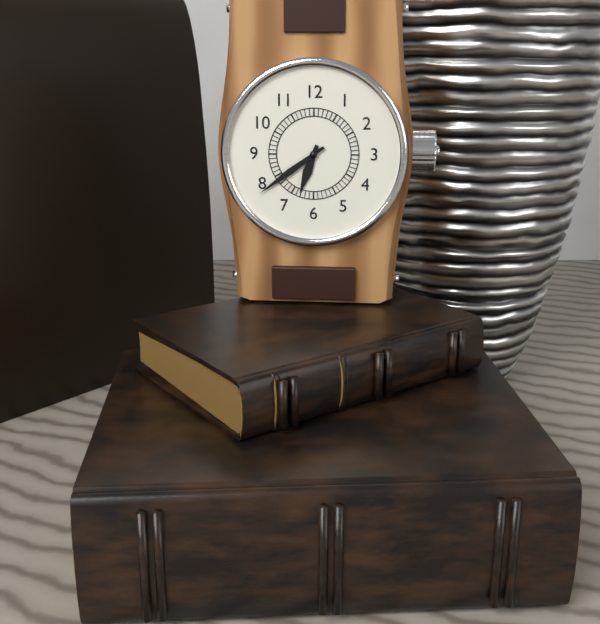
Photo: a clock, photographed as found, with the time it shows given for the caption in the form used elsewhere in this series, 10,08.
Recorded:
6,39
